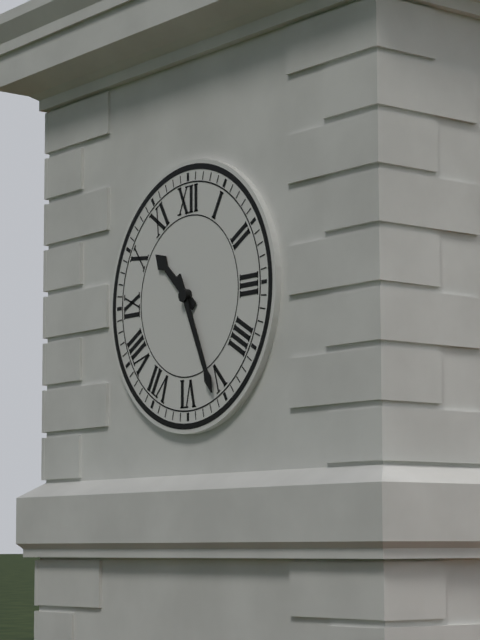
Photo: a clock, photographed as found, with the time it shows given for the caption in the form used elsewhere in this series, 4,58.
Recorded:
10,26
